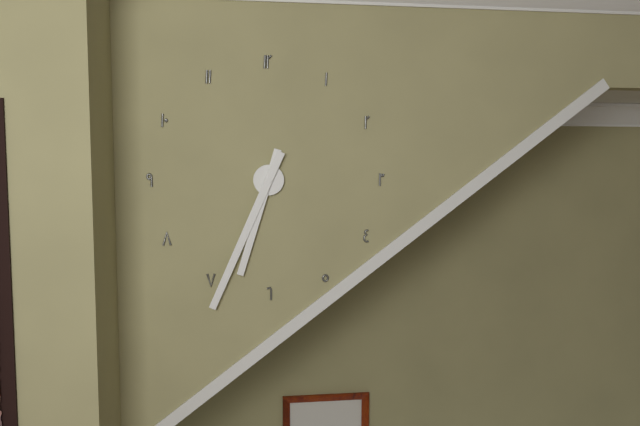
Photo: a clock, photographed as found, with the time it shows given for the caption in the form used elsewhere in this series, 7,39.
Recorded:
6,34
